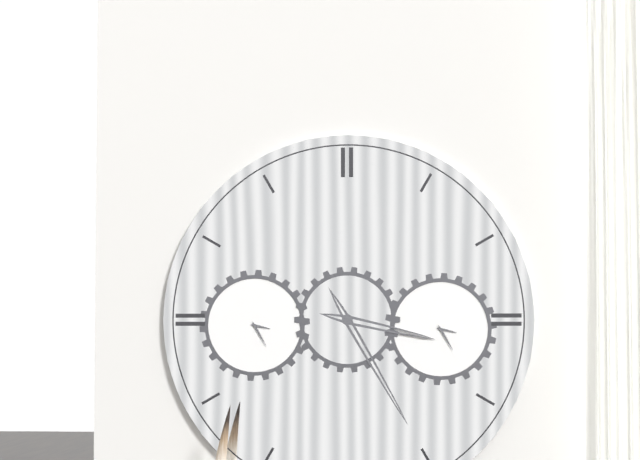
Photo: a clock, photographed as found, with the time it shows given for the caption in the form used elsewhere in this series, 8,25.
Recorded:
3,25
